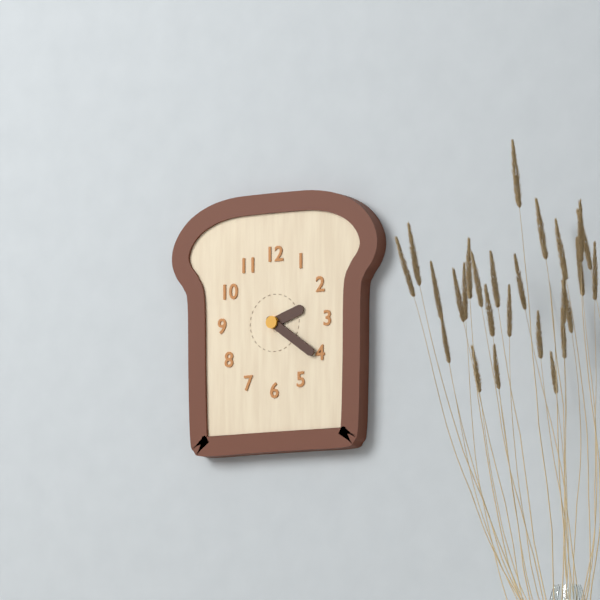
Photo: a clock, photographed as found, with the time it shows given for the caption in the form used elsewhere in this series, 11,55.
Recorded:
2,21
